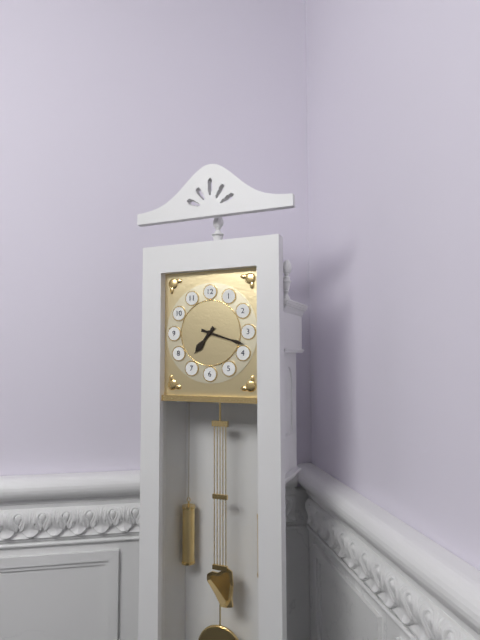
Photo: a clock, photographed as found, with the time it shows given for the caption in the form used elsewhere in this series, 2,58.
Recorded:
7,18
